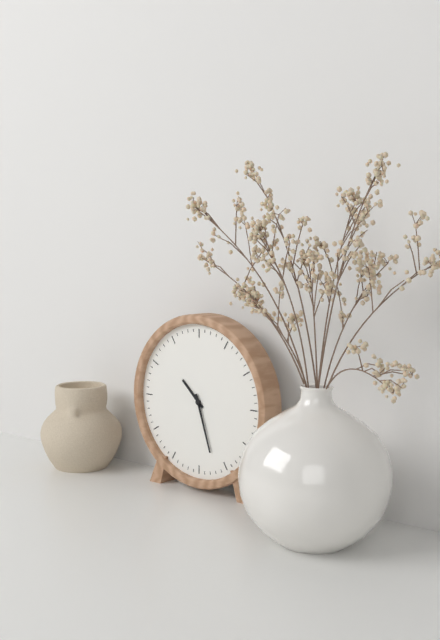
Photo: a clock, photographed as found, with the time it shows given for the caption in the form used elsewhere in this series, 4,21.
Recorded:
10,27
